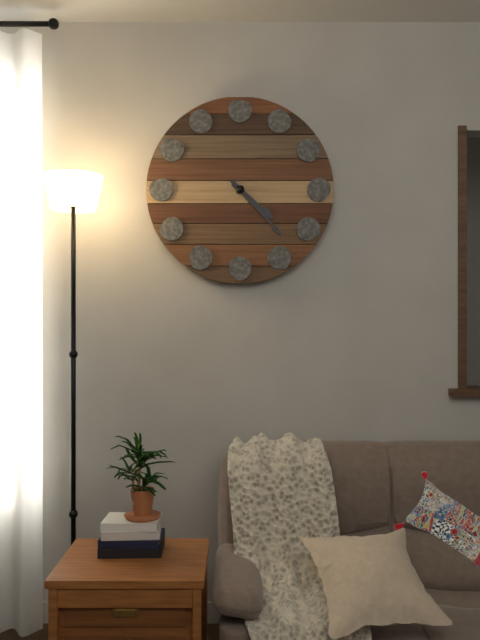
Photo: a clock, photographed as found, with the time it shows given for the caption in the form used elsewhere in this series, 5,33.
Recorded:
4,23
